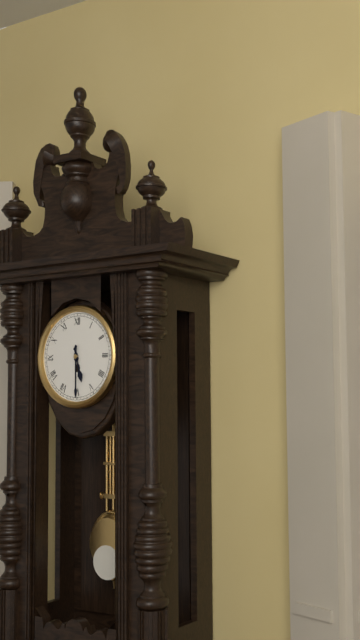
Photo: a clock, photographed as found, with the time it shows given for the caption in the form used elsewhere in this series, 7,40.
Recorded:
5,30
